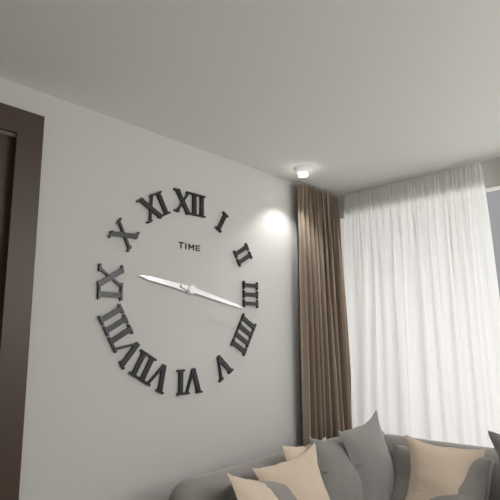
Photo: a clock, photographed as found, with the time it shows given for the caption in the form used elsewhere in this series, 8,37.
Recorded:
9,17
